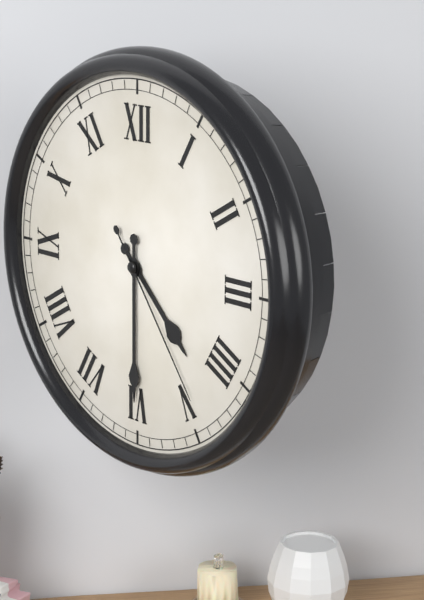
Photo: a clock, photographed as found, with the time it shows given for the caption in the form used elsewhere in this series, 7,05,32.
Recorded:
4,30,24
